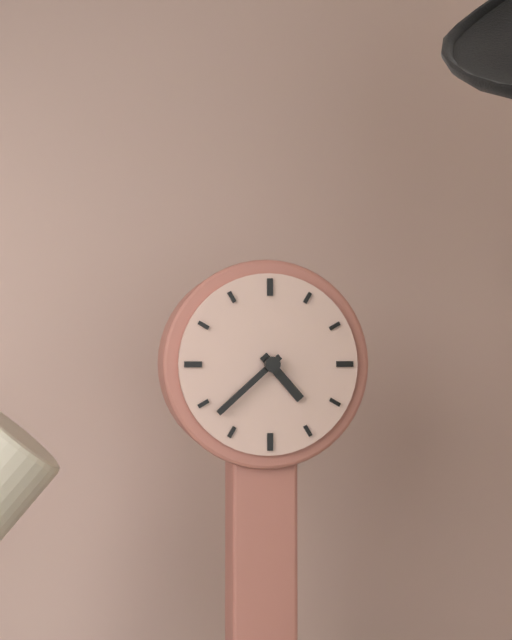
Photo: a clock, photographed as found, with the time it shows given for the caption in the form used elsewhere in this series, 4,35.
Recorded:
4,38
